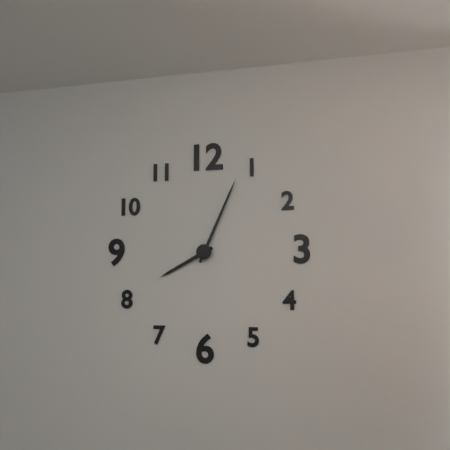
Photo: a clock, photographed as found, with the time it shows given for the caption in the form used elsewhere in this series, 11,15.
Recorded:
8,04
